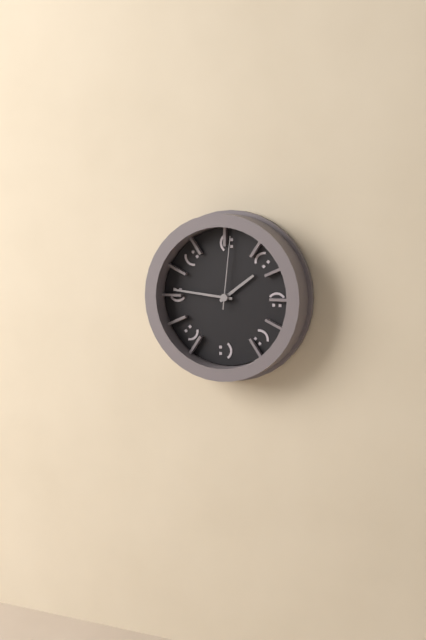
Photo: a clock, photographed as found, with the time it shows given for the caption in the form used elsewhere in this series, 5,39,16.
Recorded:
1,46,01
